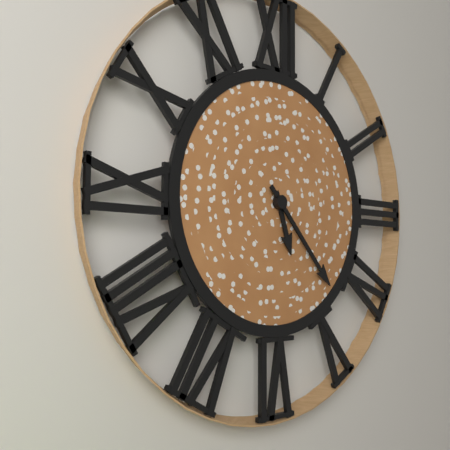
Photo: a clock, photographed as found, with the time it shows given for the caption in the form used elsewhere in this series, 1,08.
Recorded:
5,23
